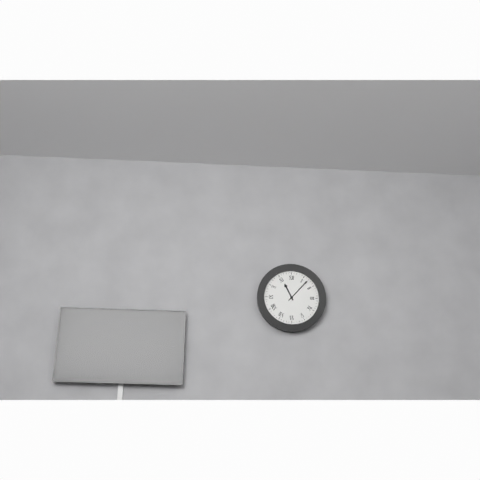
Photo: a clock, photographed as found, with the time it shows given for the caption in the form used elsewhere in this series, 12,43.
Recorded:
11,07
